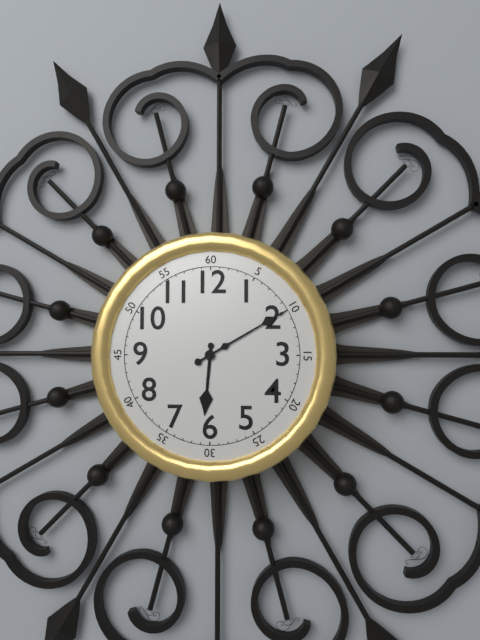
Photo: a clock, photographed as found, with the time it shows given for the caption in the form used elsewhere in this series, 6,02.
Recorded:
6,10
